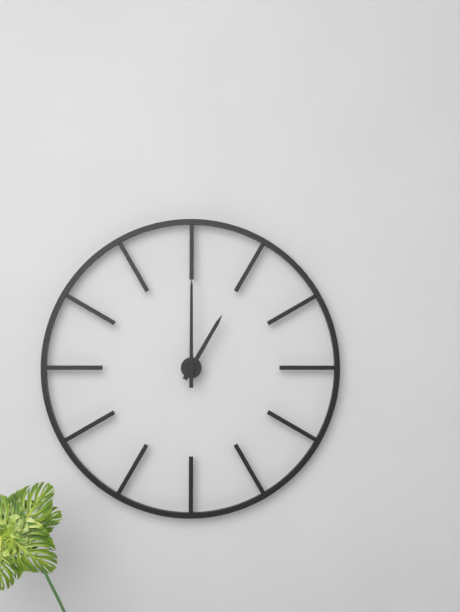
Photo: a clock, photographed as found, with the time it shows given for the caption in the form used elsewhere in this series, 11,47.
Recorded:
1,00
